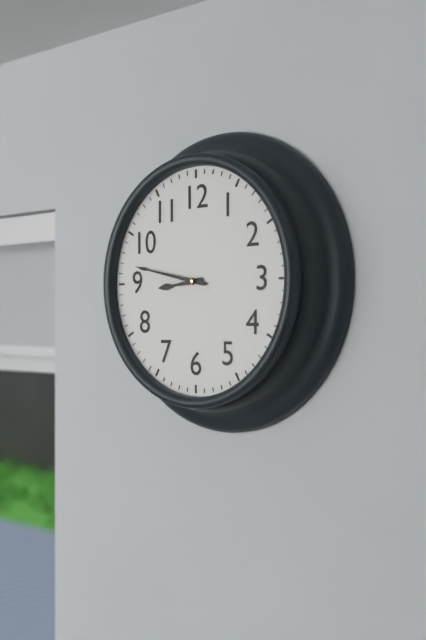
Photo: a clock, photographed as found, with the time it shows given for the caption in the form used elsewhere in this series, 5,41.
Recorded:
8,47
